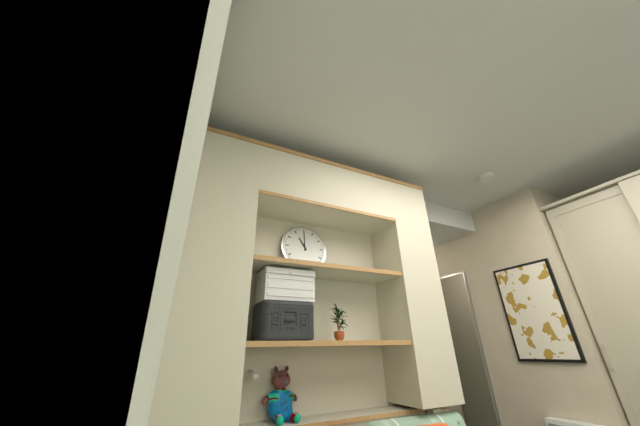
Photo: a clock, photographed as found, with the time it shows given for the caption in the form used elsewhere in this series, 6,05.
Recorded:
11,00
